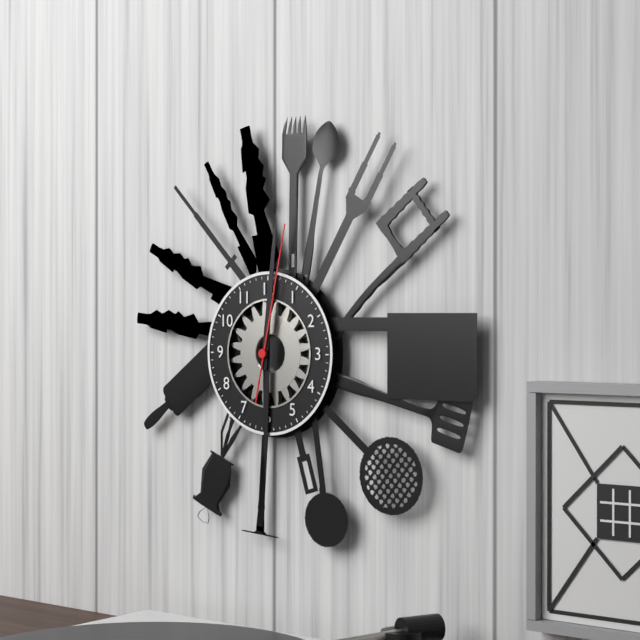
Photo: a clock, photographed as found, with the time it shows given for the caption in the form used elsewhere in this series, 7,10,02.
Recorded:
6,01,02
